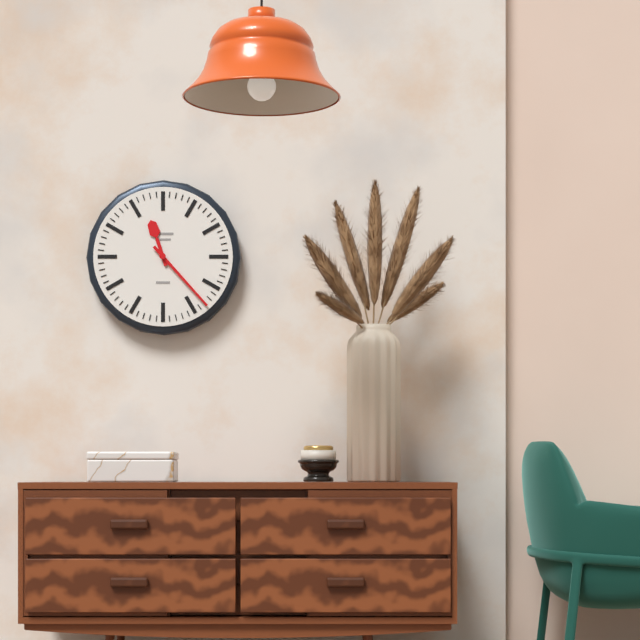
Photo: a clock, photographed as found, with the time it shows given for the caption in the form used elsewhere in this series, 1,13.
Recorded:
11,23
